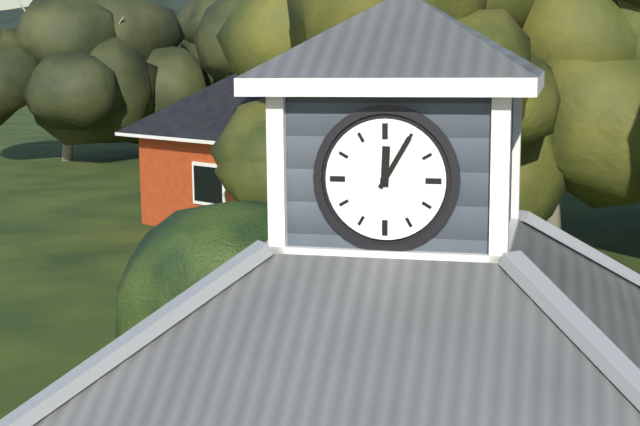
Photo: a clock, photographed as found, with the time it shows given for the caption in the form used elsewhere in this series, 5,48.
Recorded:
12,05
